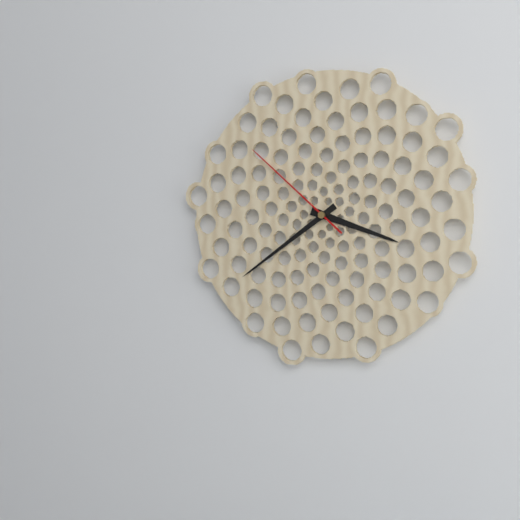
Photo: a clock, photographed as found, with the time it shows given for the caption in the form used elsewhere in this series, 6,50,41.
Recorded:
3,39,52
